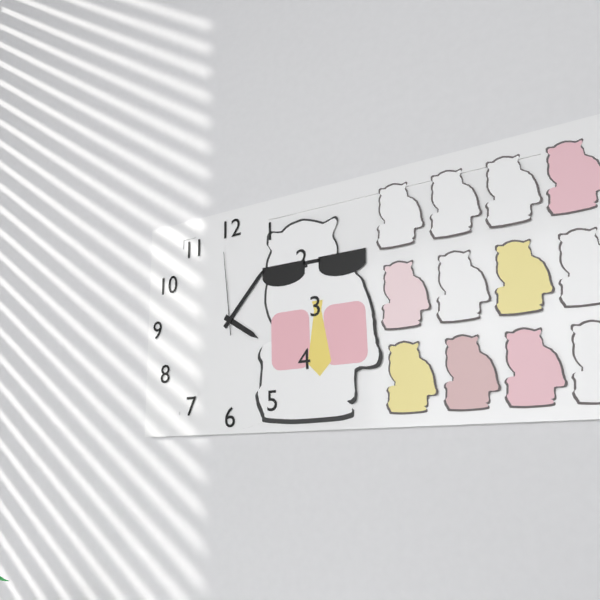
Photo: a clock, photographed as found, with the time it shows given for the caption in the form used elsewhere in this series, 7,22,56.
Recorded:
4,07,59
